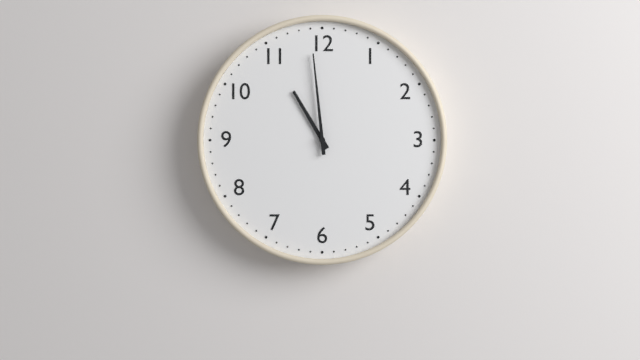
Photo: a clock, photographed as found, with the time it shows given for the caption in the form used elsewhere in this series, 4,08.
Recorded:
10,59
